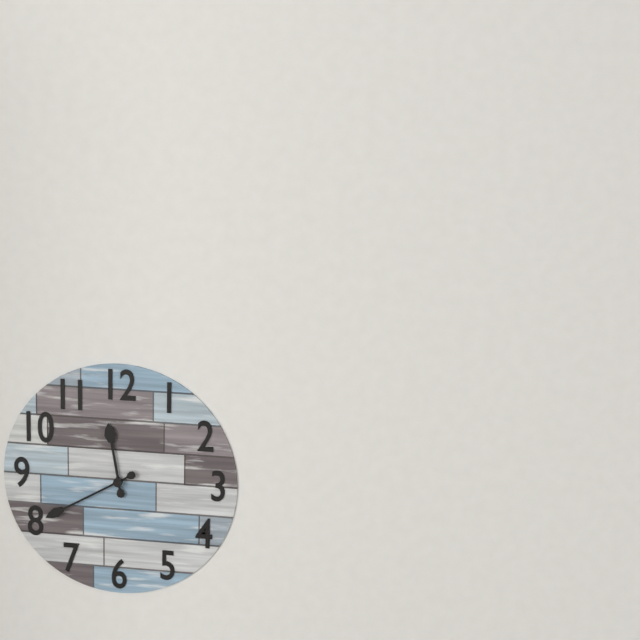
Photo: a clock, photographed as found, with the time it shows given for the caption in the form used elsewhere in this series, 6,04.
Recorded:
11,40
